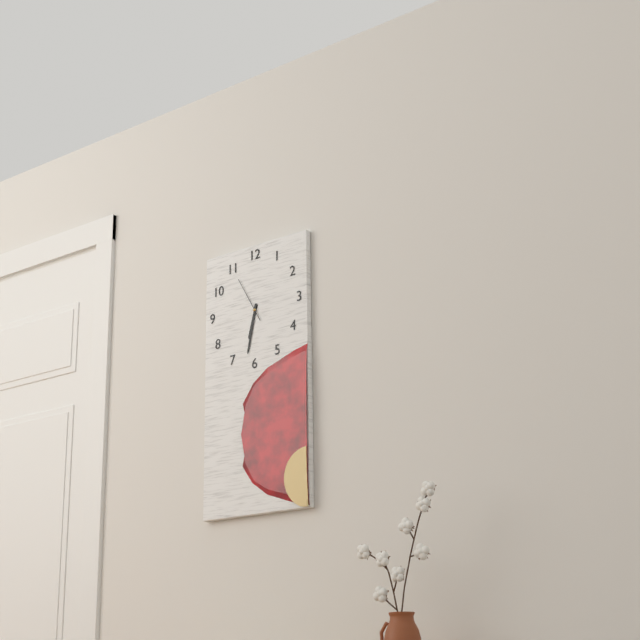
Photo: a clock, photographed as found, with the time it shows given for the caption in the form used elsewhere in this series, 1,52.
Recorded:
6,32
